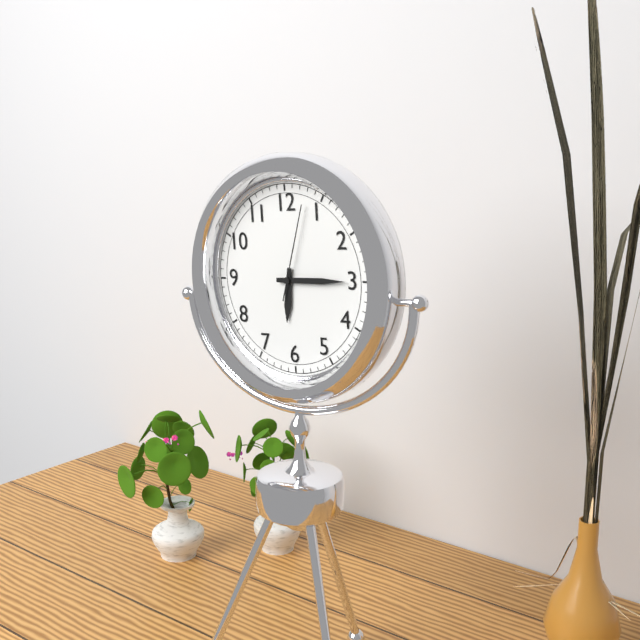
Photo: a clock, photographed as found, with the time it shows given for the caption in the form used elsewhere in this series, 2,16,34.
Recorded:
6,15,03
